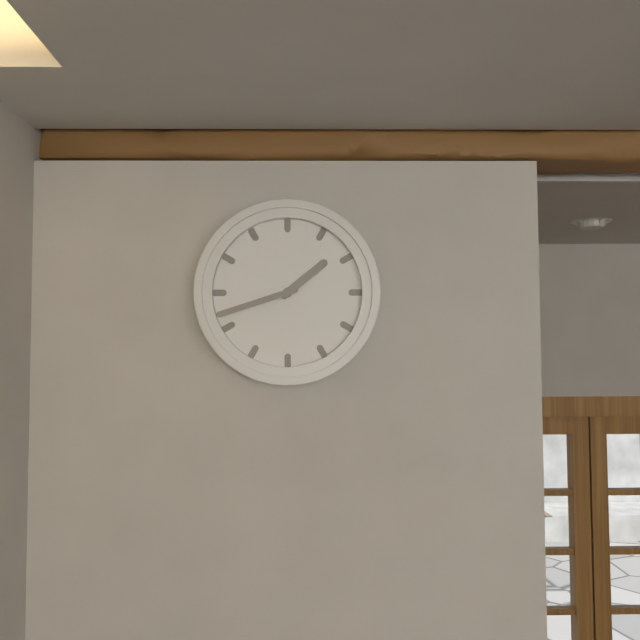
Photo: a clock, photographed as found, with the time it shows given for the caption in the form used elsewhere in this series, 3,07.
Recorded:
1,42
